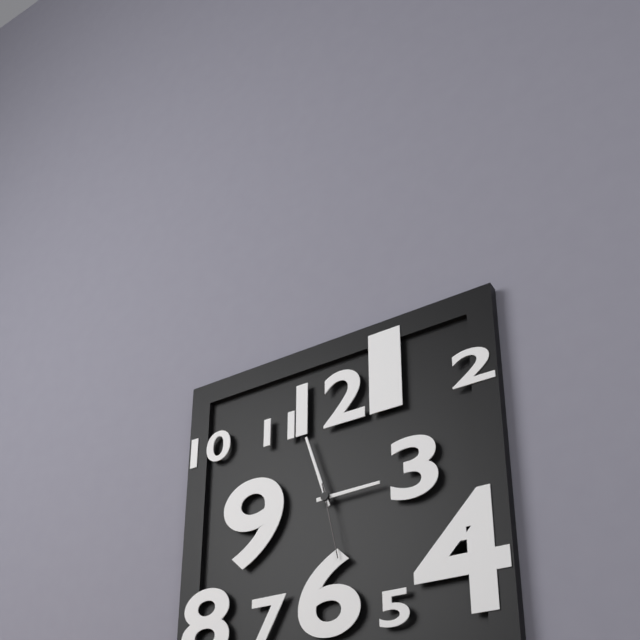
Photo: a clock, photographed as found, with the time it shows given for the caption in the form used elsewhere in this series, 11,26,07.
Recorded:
2,57,28
